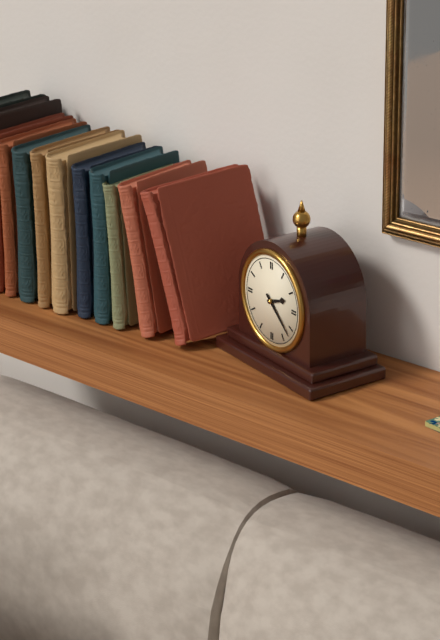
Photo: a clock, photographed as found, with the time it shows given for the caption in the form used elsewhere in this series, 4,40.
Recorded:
2,22
